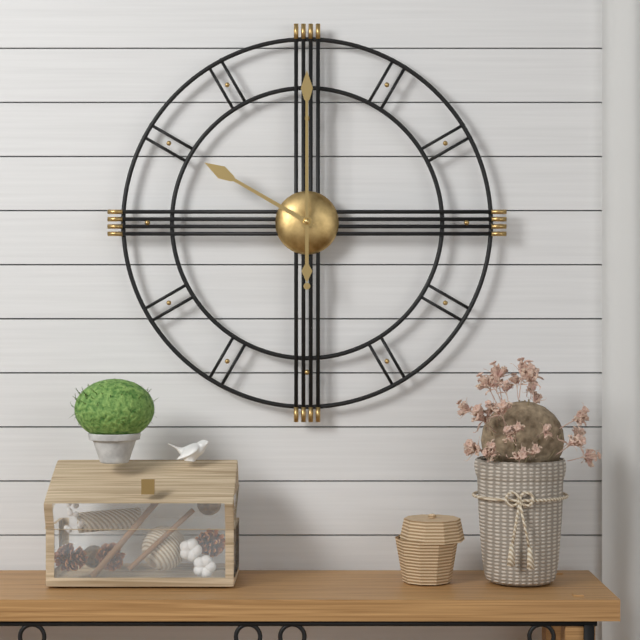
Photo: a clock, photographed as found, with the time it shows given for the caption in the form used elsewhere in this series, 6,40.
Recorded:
10,00
